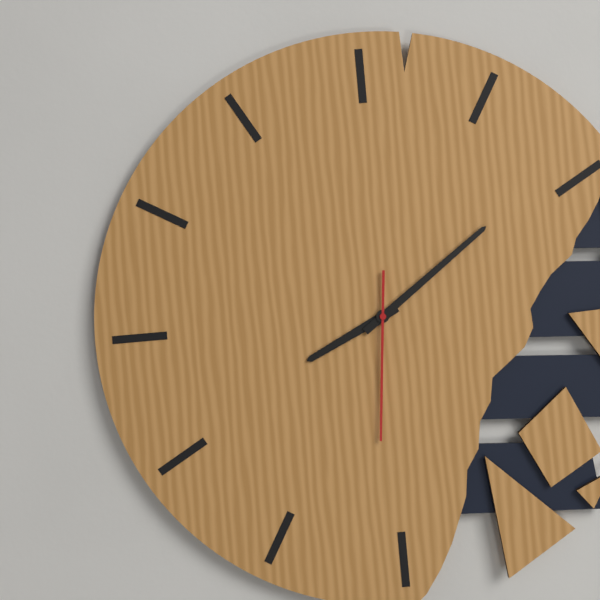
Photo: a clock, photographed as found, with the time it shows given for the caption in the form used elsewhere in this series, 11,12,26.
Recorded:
8,09,31
